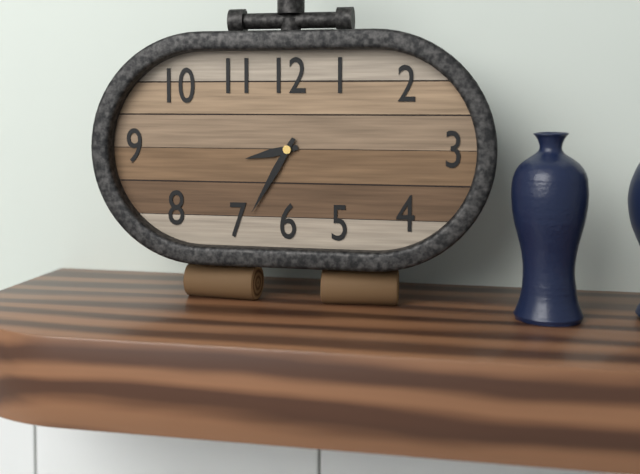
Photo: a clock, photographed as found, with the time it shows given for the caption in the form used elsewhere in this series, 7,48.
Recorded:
8,35
